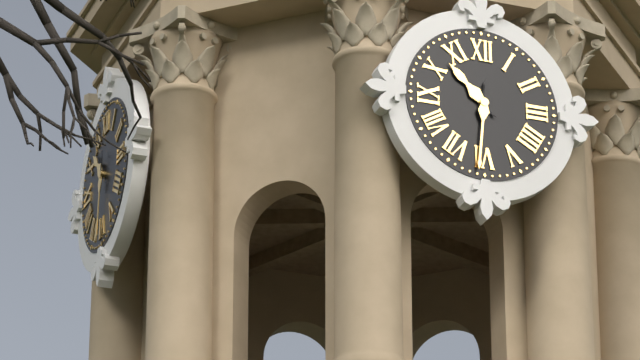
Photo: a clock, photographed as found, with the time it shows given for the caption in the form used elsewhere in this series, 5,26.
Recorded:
10,31
